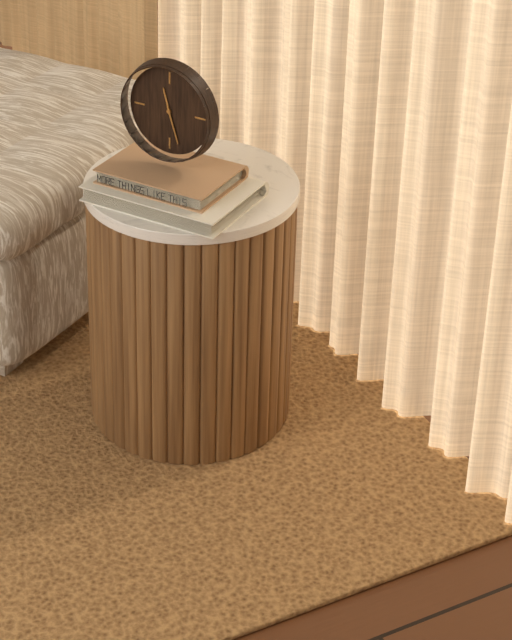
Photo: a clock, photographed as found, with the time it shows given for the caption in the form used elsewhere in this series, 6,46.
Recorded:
11,27
